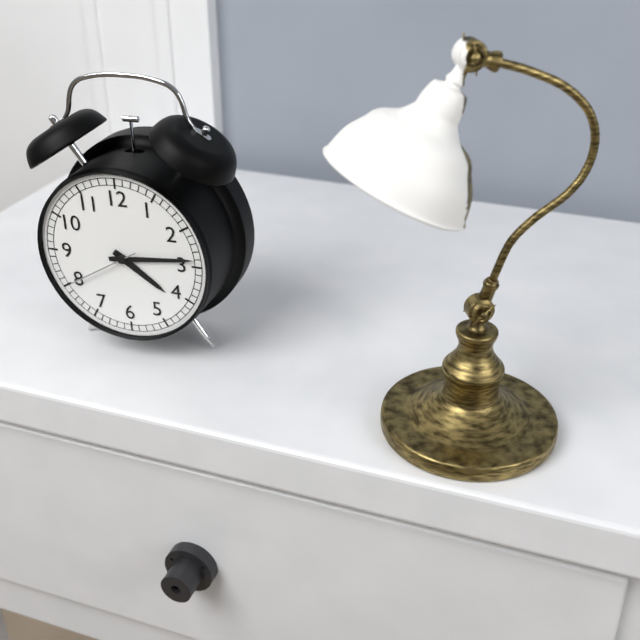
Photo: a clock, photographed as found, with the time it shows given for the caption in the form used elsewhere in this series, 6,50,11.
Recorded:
4,14,40
